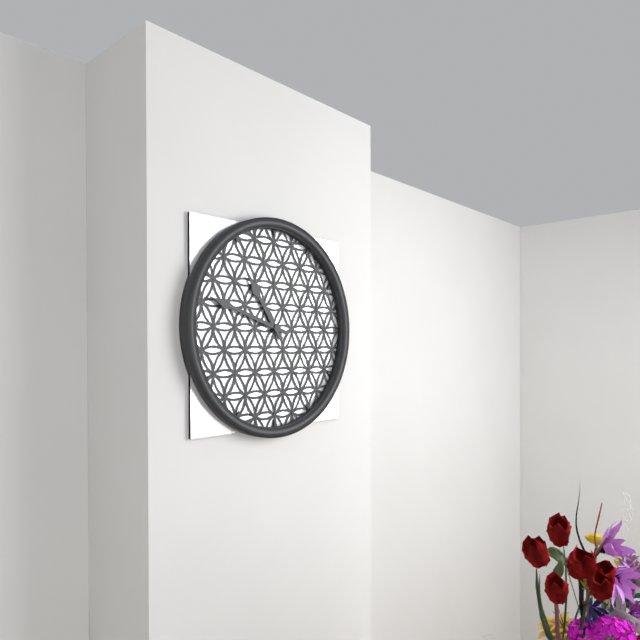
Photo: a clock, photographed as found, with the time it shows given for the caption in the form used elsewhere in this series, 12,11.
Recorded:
10,48
